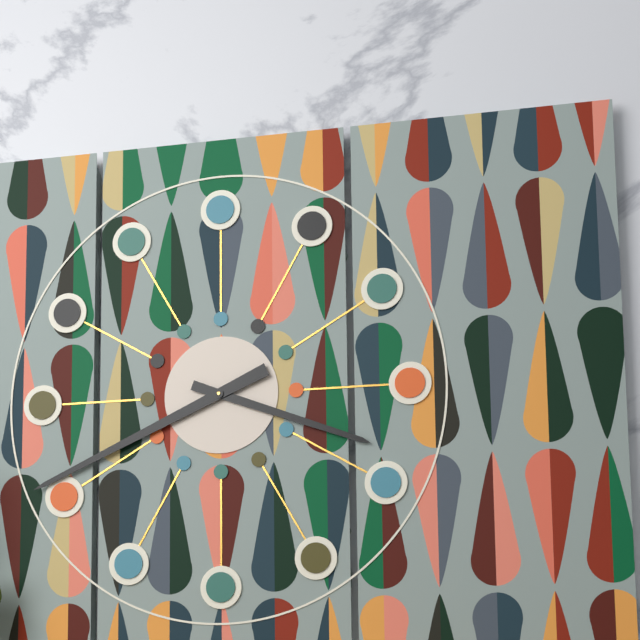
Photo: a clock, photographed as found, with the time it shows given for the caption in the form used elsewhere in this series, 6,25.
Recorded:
3,41
